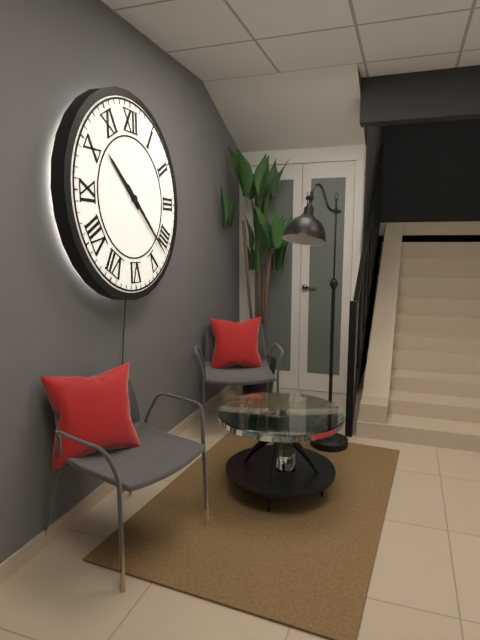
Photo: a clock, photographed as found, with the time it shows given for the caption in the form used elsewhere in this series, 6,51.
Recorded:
10,22
